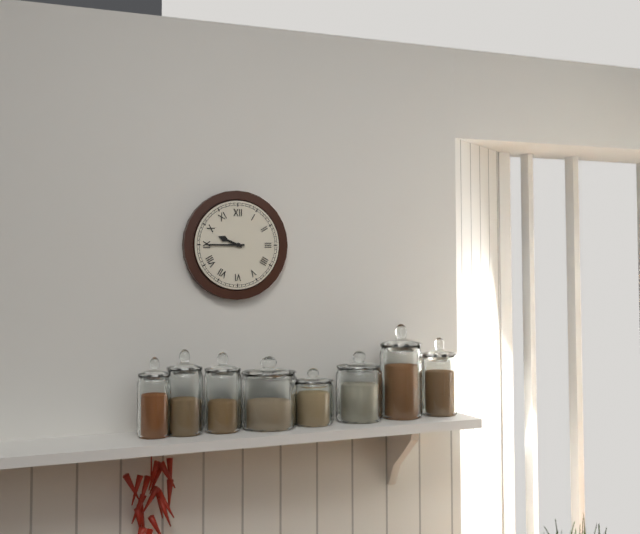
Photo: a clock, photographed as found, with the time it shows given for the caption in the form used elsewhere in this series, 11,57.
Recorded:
9,45
